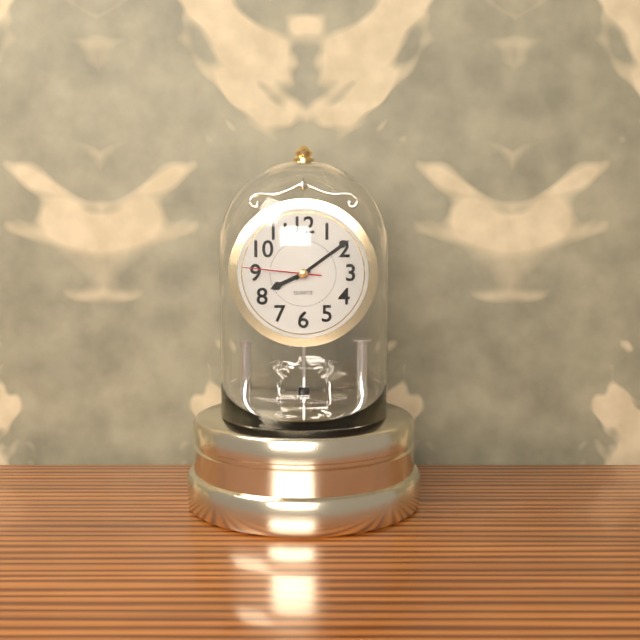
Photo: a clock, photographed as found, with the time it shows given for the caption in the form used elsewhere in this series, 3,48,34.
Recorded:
8,09,46
